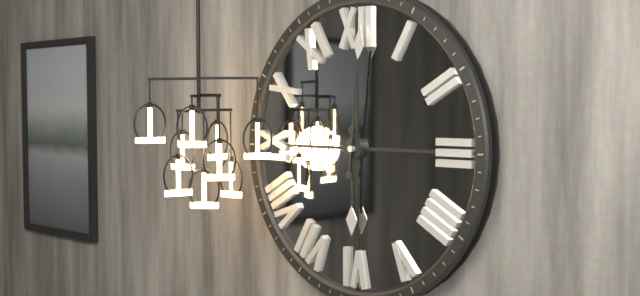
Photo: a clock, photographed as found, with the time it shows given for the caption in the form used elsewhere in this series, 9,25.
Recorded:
6,01
